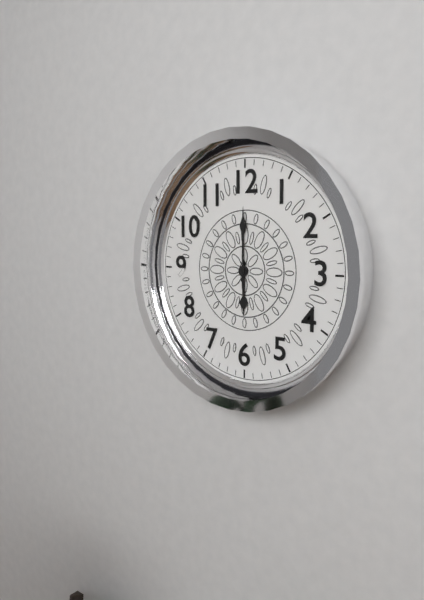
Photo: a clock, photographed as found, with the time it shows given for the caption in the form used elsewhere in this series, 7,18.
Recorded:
6,00
